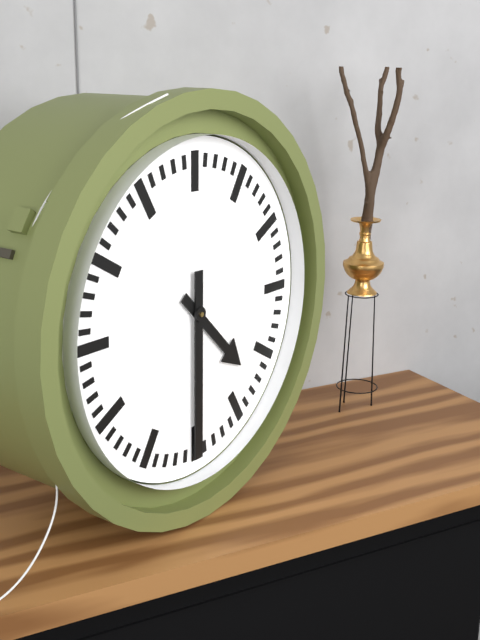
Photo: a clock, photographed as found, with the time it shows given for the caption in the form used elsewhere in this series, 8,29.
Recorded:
4,30
